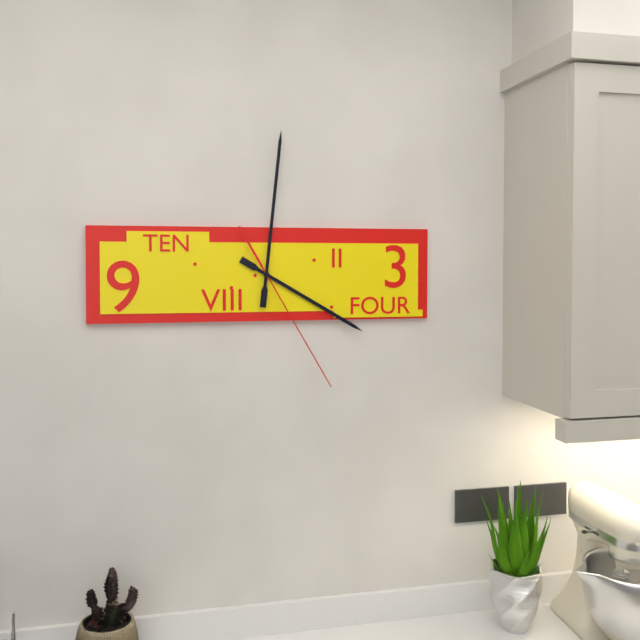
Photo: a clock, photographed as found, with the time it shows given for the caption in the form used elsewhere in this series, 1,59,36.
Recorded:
4,01,25
